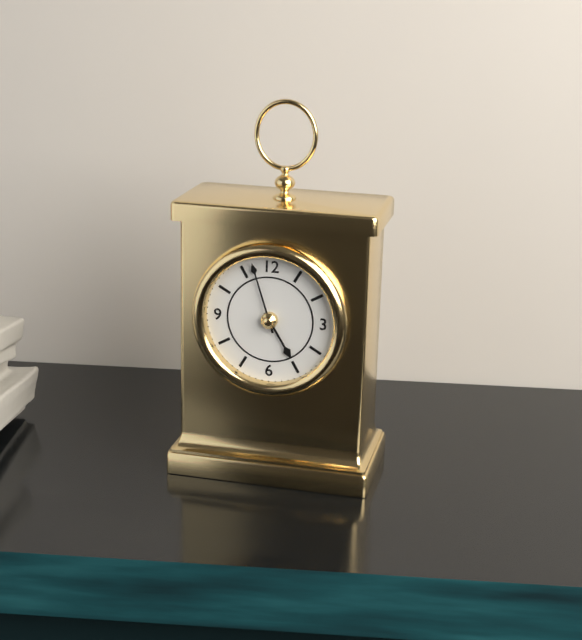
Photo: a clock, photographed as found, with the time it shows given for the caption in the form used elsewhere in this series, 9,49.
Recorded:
4,57
